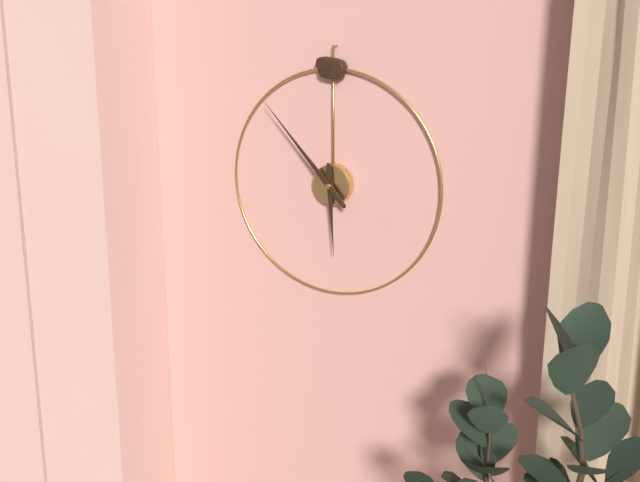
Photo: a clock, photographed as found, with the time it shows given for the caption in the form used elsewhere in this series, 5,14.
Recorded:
5,53
